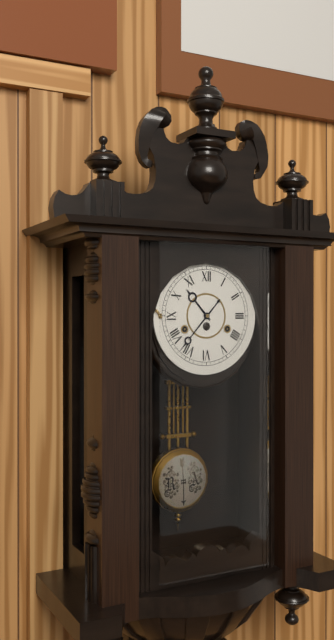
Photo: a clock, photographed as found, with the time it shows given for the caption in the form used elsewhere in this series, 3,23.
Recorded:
10,37
